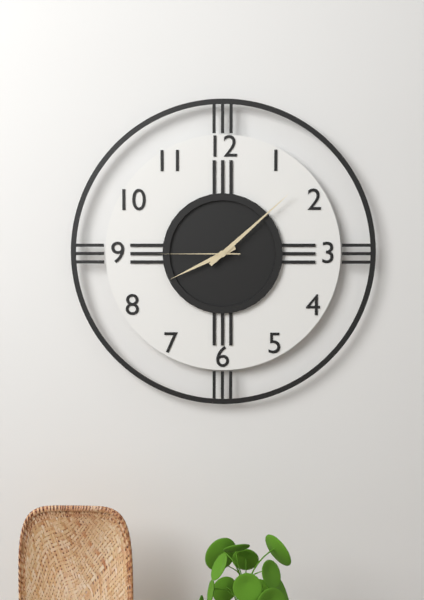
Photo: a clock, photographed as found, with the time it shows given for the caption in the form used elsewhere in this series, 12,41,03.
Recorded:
8,08,45
